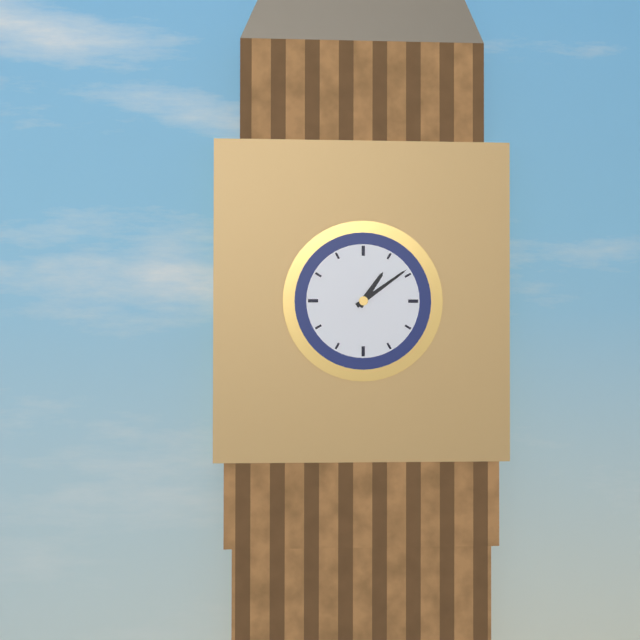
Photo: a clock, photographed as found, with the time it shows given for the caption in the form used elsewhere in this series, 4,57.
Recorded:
1,09
